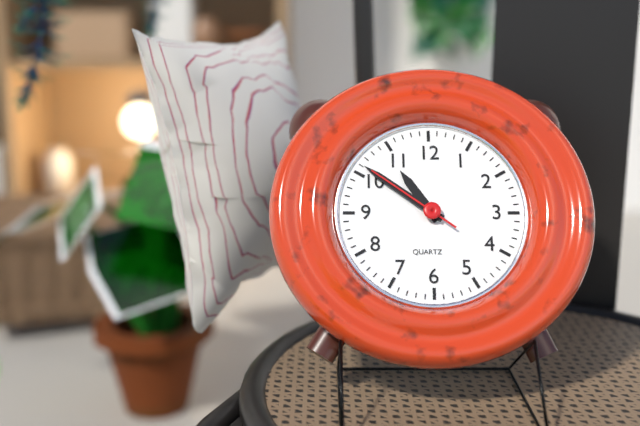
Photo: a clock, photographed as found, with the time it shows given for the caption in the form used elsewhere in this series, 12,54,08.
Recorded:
10,51,51
